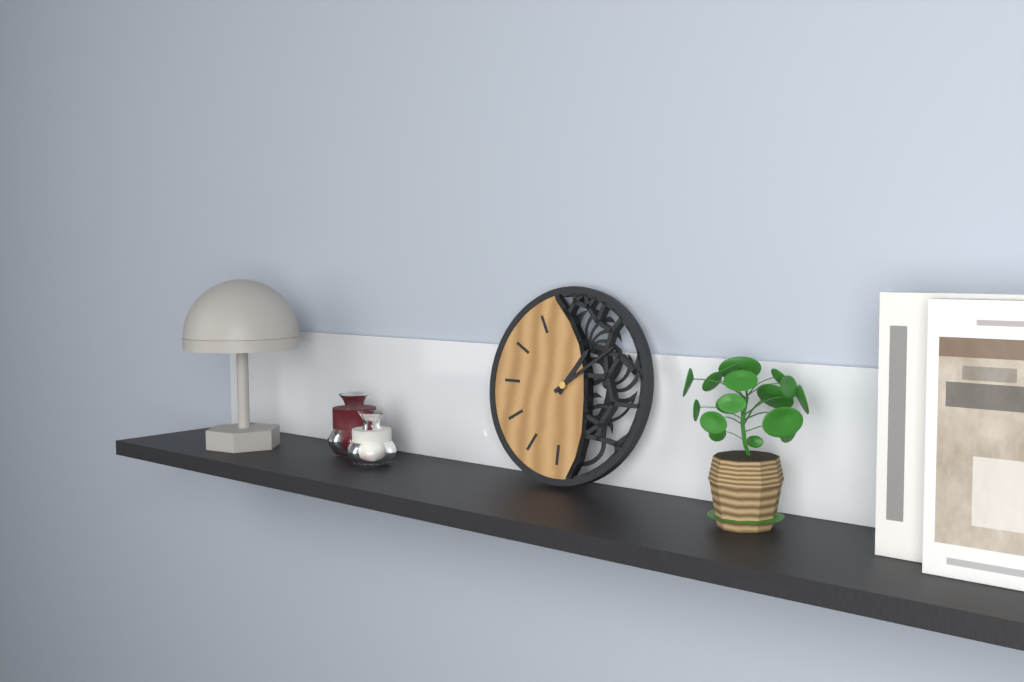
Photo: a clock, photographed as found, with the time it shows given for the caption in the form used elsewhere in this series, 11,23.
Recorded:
1,09
